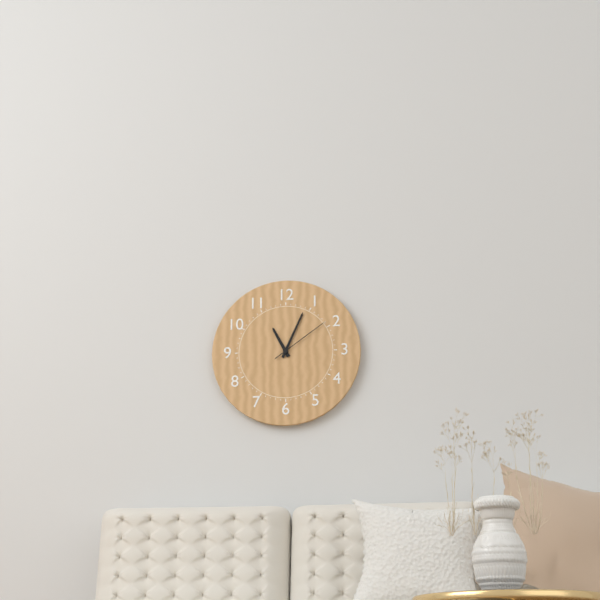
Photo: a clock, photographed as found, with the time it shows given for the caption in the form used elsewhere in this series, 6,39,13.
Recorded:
11,04,09
